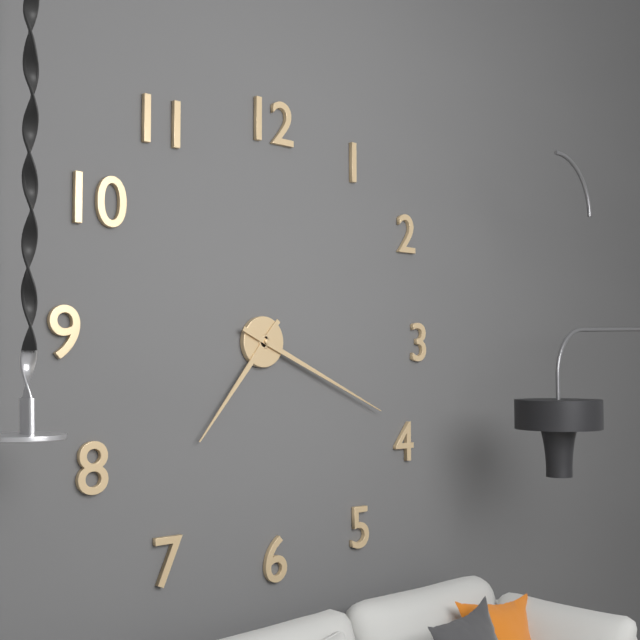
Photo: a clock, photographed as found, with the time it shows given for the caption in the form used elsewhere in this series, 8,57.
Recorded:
7,19
